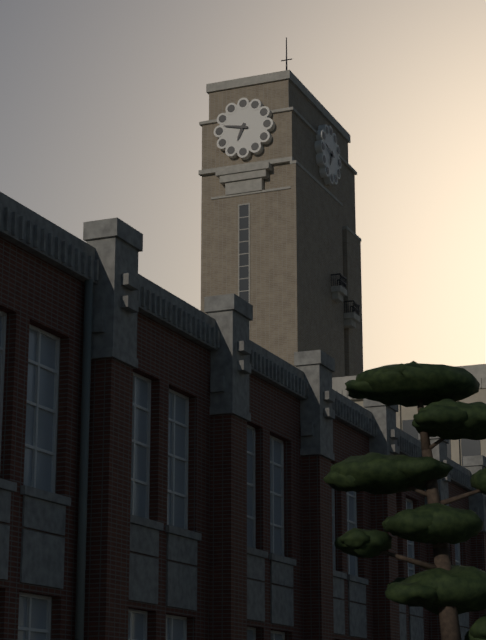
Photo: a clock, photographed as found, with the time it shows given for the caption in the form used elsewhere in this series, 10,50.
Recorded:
6,47
